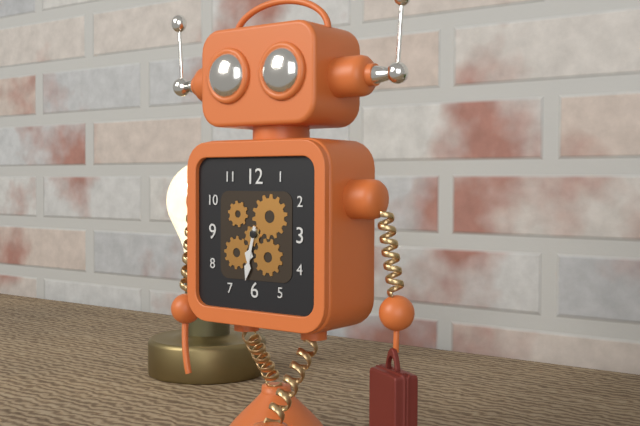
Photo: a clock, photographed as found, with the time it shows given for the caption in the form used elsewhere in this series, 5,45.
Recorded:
6,32
